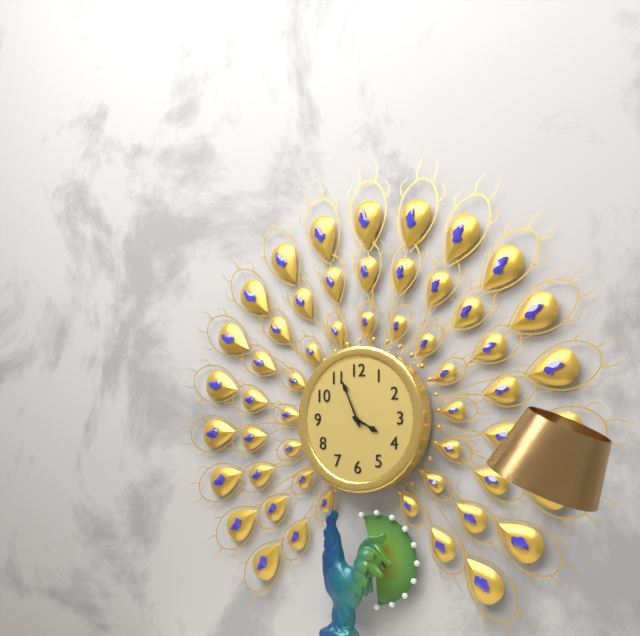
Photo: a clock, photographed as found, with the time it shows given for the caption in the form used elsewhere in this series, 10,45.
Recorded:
3,56
